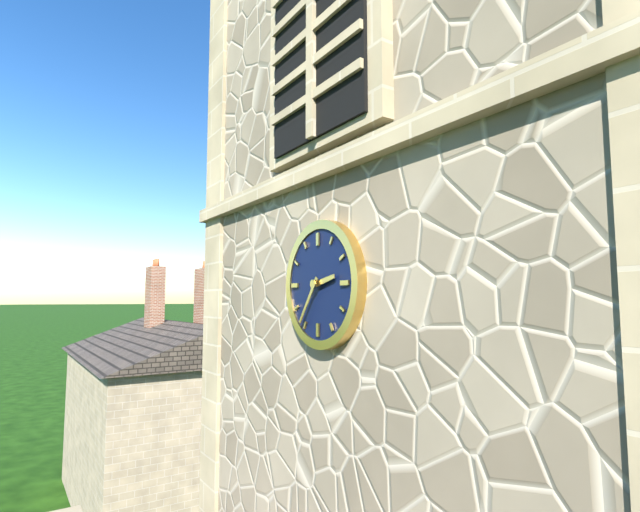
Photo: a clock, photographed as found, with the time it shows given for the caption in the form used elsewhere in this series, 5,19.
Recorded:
2,36
